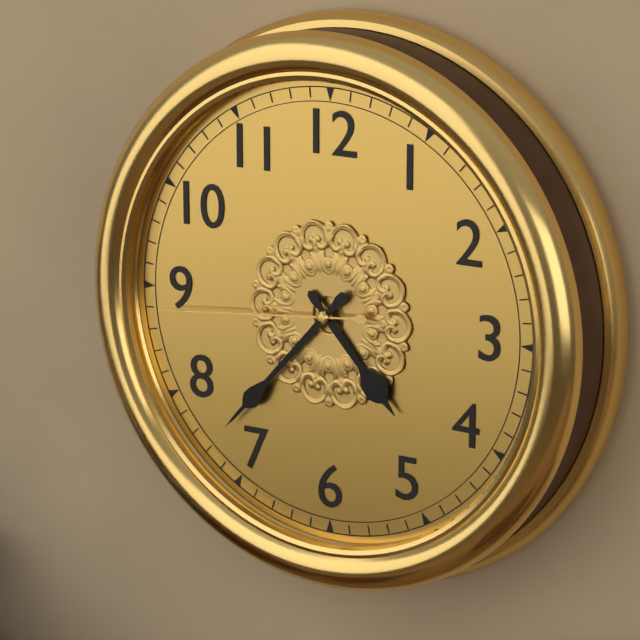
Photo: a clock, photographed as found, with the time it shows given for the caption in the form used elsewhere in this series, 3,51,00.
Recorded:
4,37,44
